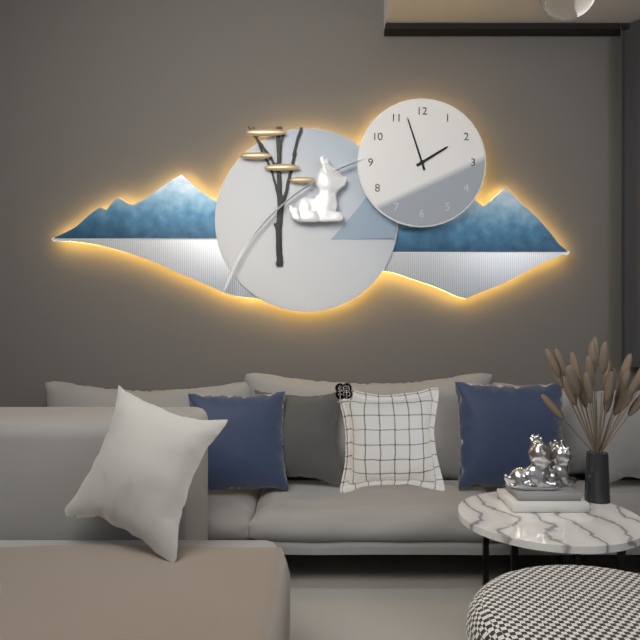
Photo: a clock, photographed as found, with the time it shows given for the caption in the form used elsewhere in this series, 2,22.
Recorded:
1,57
